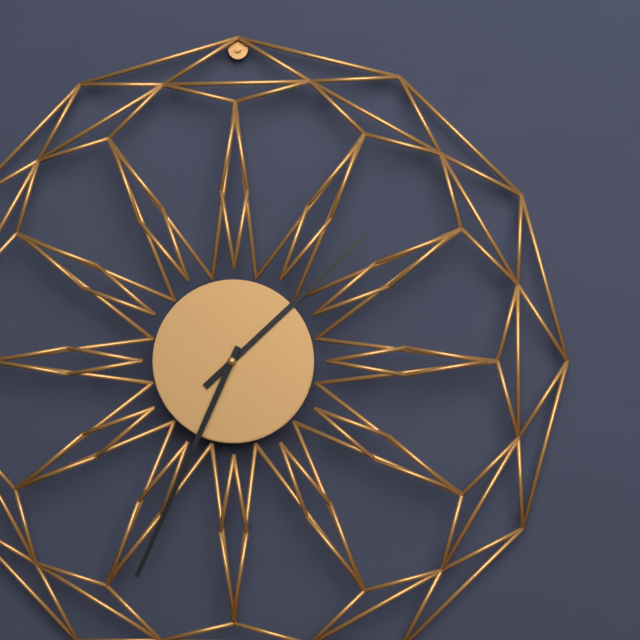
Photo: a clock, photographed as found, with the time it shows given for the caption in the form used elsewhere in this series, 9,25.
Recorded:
1,34
